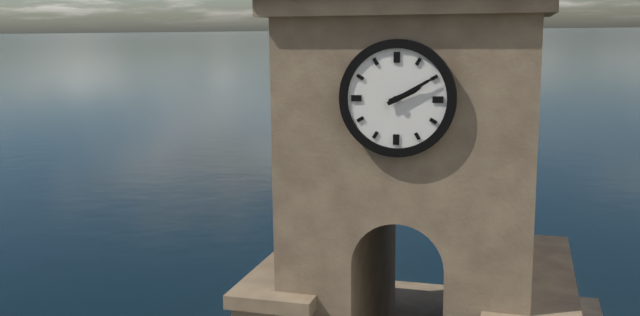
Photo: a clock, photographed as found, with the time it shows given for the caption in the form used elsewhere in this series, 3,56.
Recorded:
2,10
